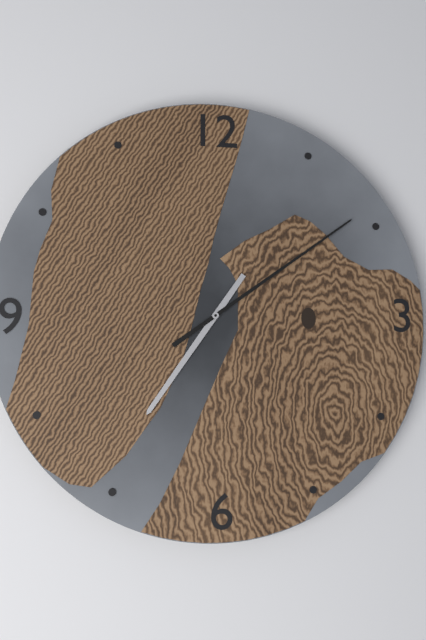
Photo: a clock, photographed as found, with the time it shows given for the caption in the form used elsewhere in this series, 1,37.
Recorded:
7,09
